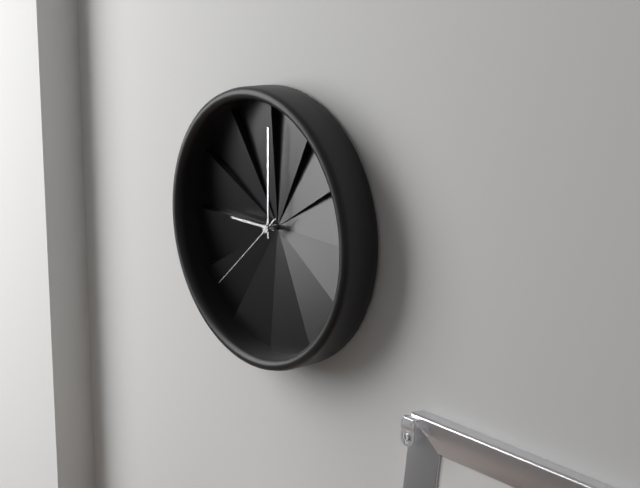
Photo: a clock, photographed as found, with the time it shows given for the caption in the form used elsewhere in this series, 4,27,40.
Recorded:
9,00,38
